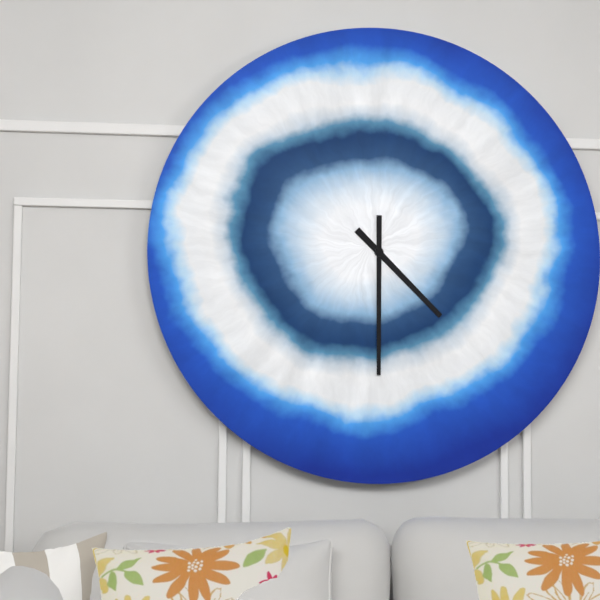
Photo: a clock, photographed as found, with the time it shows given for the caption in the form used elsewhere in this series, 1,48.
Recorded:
4,30
